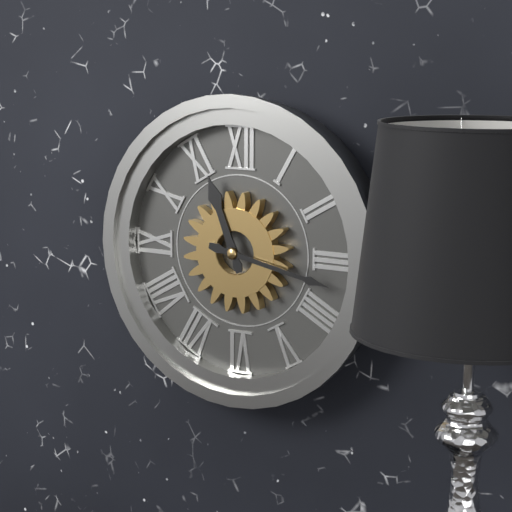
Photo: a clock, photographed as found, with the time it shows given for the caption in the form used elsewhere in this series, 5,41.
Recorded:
11,17
